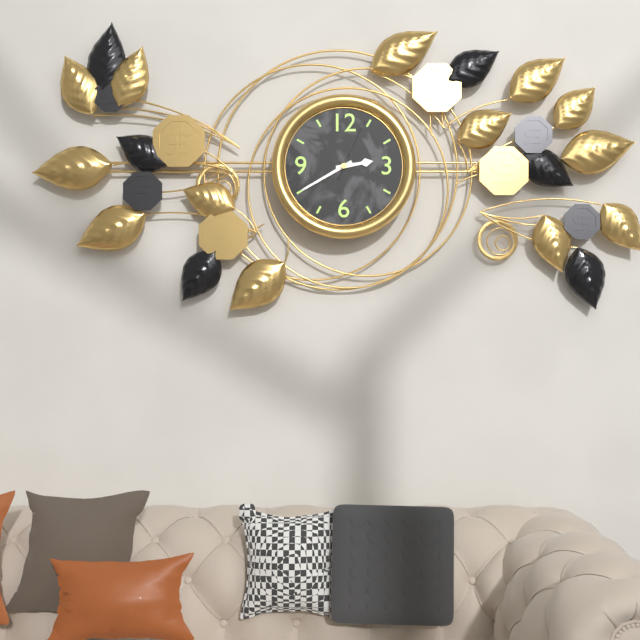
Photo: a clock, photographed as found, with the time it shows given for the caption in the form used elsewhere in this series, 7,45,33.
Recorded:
2,40,04
